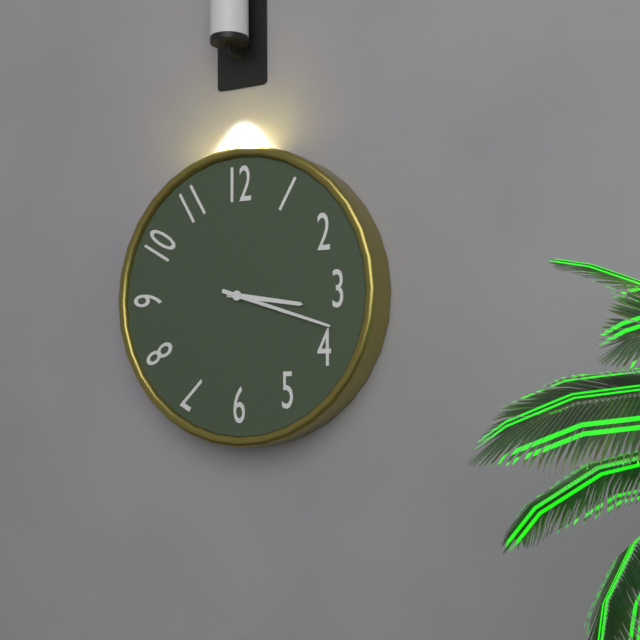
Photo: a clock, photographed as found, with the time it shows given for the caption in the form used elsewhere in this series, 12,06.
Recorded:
3,18
